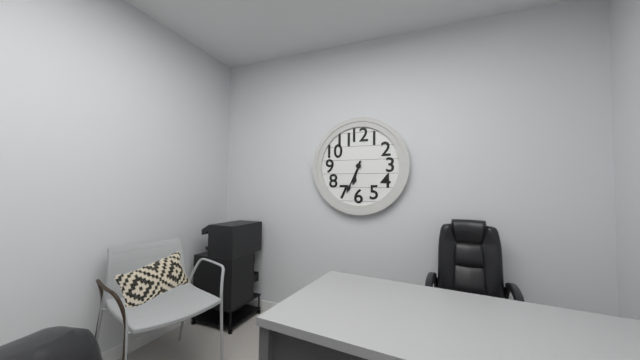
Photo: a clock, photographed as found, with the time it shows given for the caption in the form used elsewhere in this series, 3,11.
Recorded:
6,34
